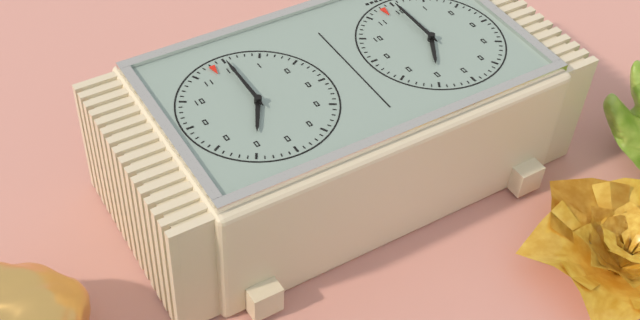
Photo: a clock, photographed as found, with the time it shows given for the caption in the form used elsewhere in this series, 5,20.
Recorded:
7,00
